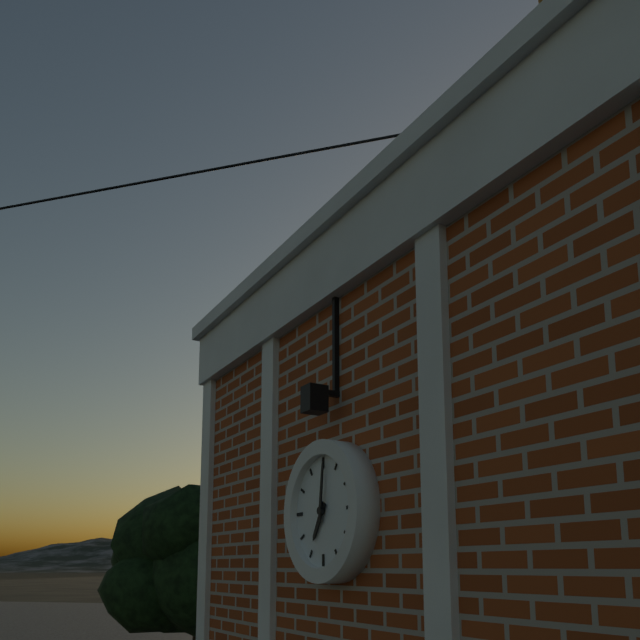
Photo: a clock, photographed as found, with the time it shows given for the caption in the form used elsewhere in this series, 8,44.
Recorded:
7,01
